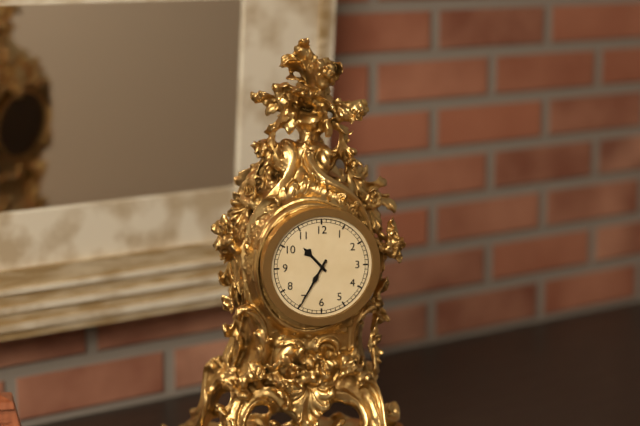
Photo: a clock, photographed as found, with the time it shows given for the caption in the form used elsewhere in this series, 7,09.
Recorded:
10,35
